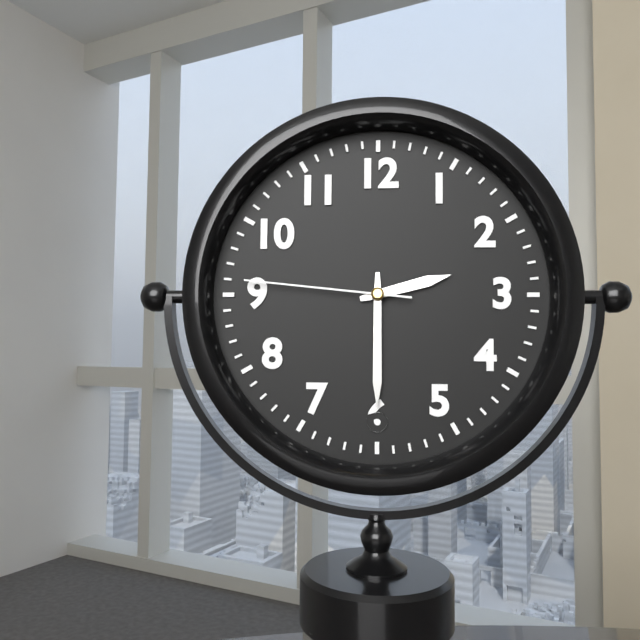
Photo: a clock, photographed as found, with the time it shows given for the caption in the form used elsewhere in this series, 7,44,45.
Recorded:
2,30,46
